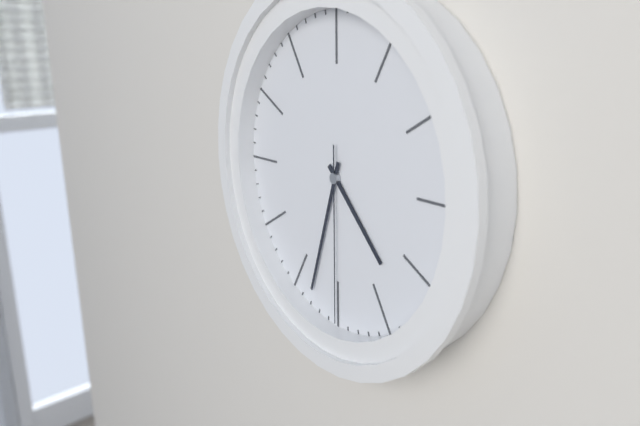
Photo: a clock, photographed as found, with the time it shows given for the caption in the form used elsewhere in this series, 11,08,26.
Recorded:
4,33,30
